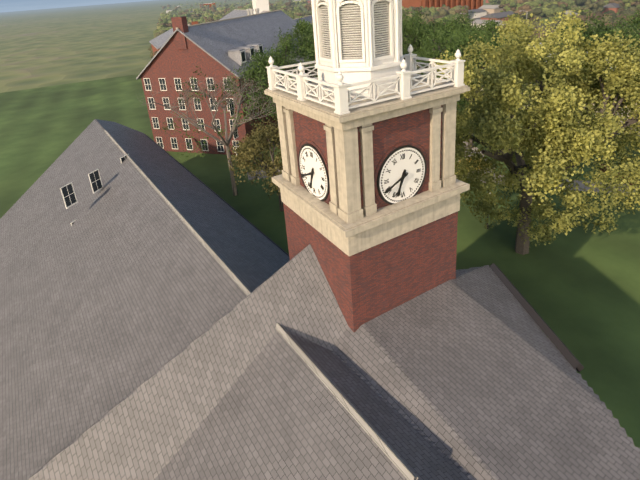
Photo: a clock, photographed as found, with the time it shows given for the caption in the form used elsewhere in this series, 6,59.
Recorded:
6,41
